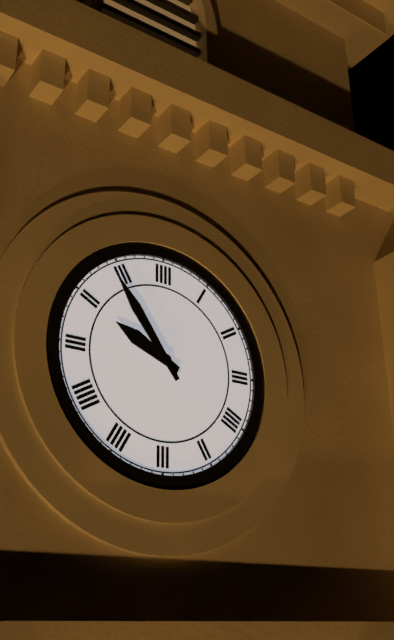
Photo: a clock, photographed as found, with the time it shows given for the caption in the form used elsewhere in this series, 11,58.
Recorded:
9,54
